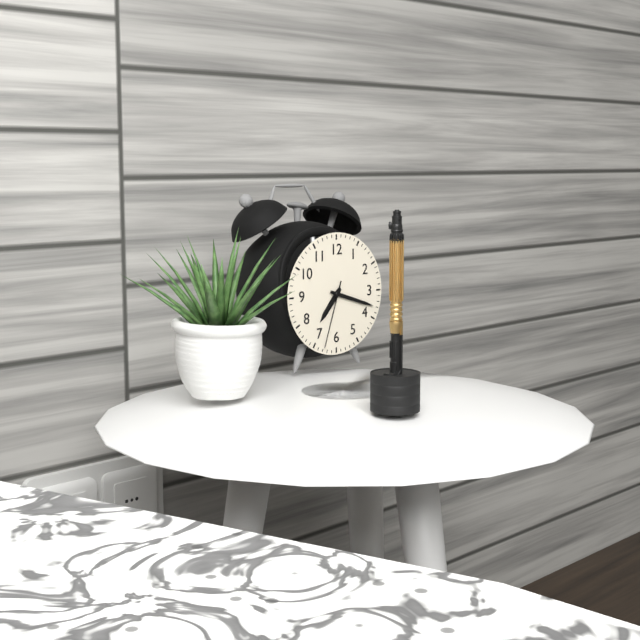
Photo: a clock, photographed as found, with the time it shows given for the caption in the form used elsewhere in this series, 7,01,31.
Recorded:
7,18,33
